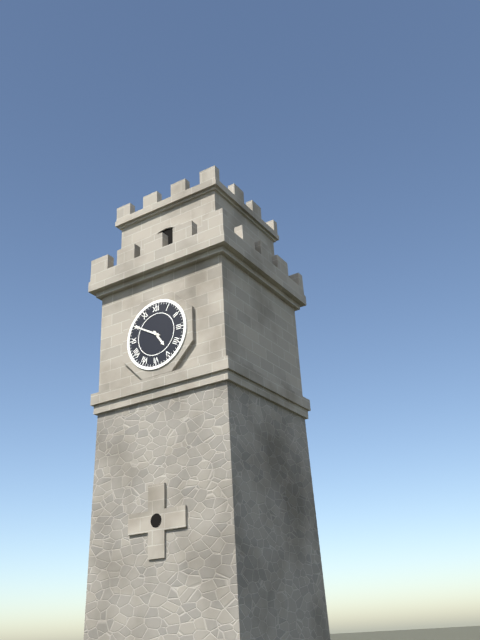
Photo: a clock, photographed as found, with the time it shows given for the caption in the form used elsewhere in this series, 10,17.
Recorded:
4,50
